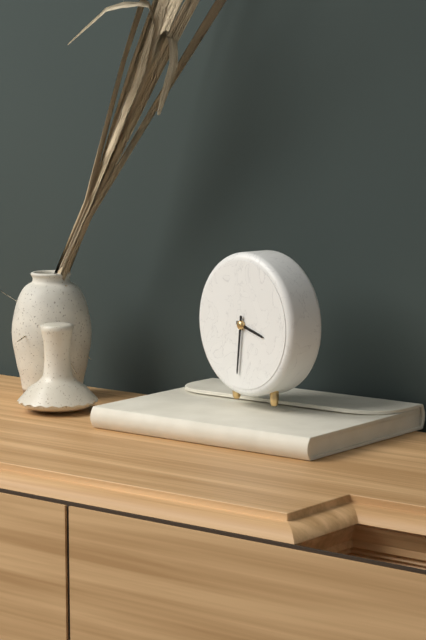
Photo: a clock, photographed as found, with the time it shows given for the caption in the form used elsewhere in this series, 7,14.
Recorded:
3,31
